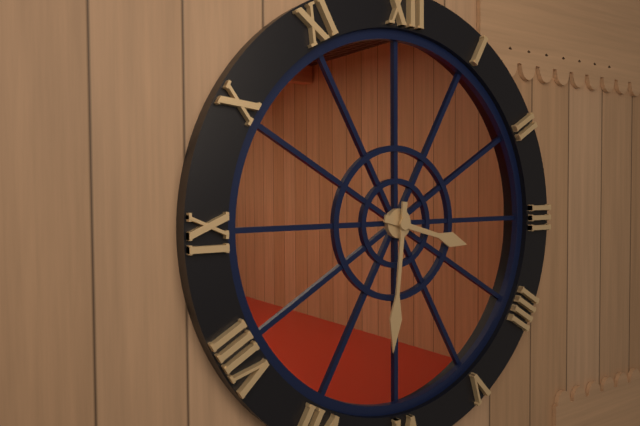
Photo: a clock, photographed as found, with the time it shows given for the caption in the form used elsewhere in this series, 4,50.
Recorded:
3,31
